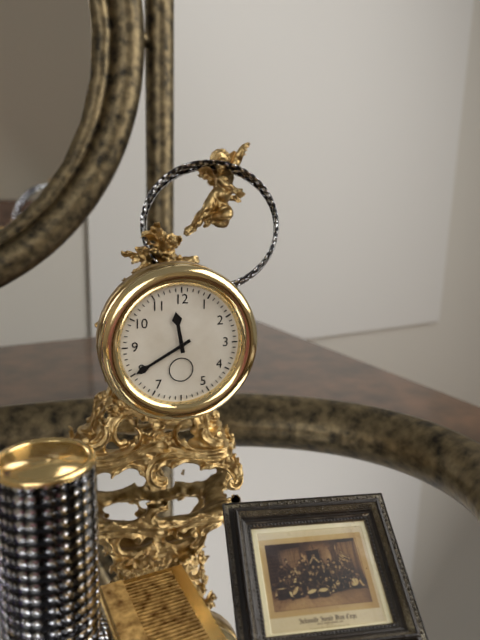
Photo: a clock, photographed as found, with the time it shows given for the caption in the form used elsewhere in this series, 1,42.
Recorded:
11,40
